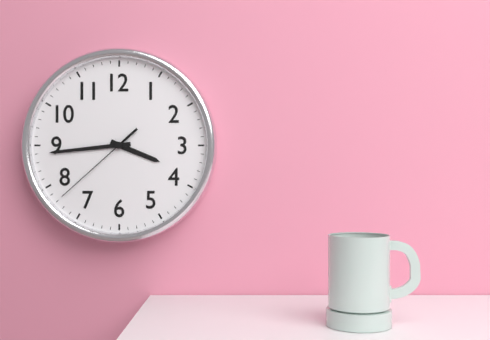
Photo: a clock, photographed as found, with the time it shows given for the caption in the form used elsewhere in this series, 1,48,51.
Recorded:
3,44,38
